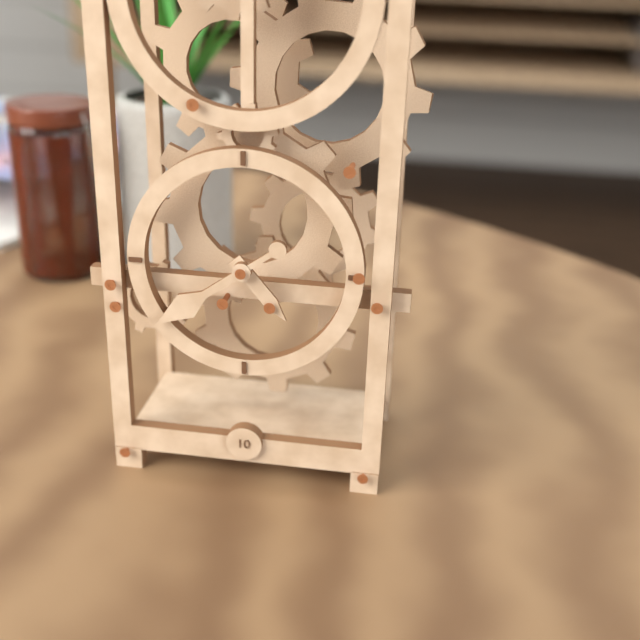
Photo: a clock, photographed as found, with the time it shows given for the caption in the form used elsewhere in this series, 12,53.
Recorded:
4,39
